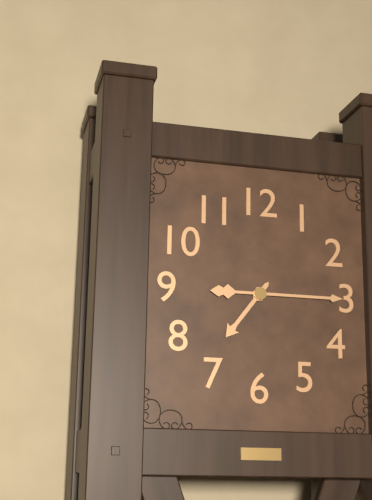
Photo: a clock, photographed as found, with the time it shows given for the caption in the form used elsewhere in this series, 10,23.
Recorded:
7,15
